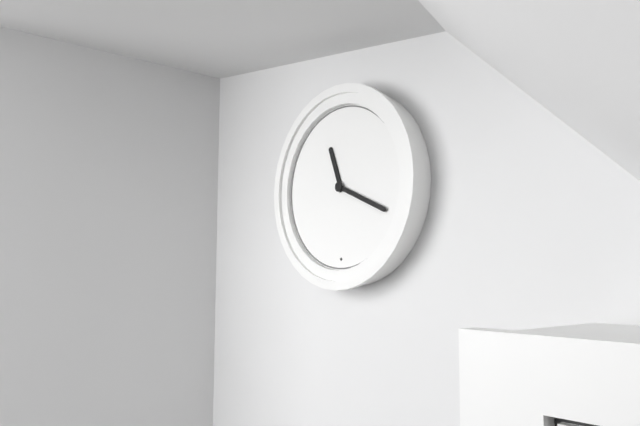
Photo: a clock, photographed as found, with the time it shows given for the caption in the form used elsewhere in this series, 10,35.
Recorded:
11,19
